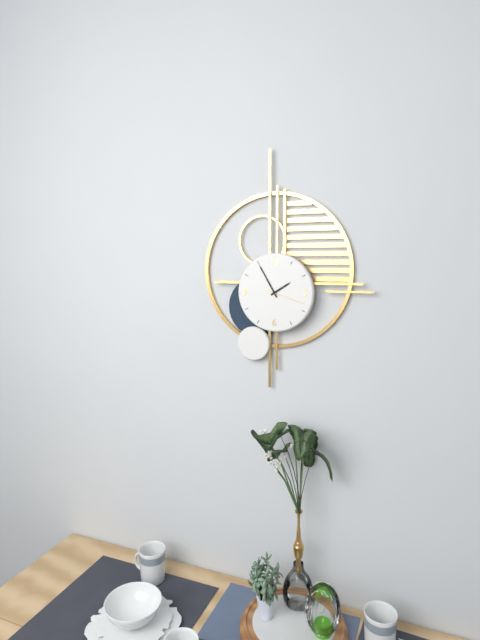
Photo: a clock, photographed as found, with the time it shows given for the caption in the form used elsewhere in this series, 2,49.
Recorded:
1,55
